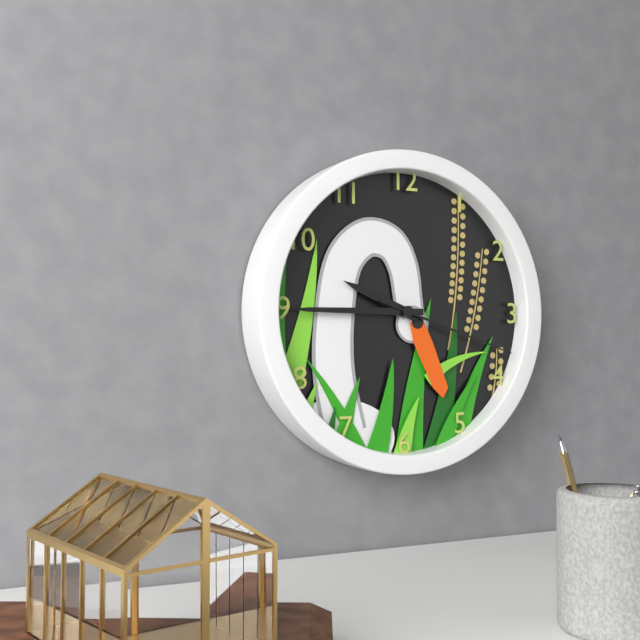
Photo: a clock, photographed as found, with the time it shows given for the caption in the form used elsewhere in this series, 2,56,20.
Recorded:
9,45,18
